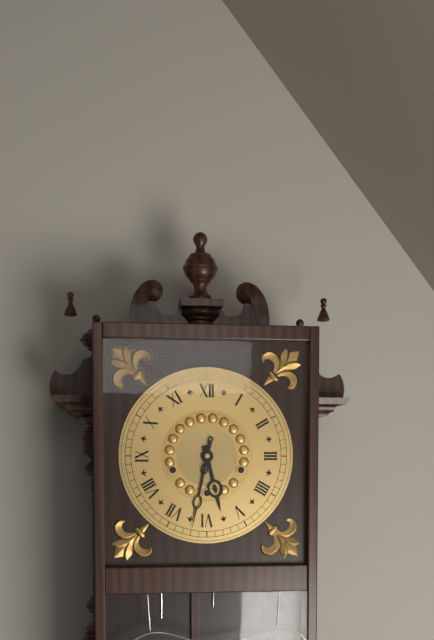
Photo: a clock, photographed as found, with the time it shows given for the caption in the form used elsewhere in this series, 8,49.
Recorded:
5,32
